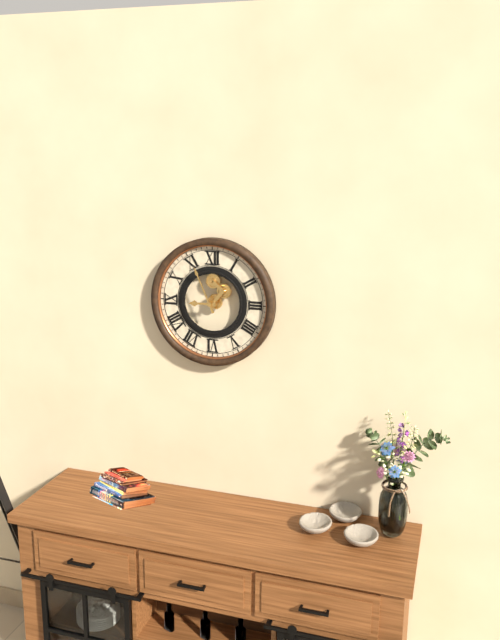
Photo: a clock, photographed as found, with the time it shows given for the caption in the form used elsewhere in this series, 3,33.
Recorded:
8,56
